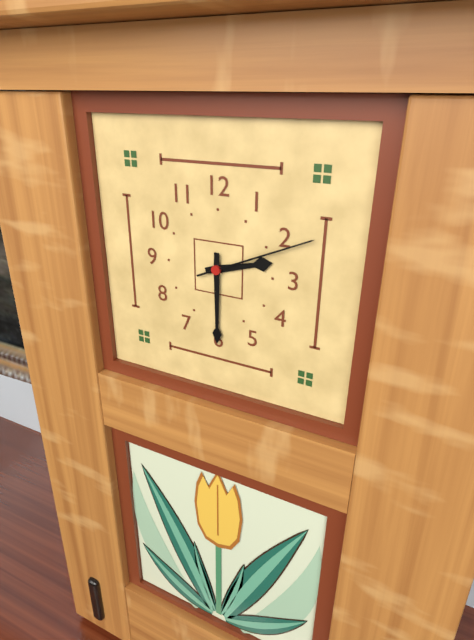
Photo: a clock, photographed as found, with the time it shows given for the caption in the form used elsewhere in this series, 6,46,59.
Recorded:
2,30,11
